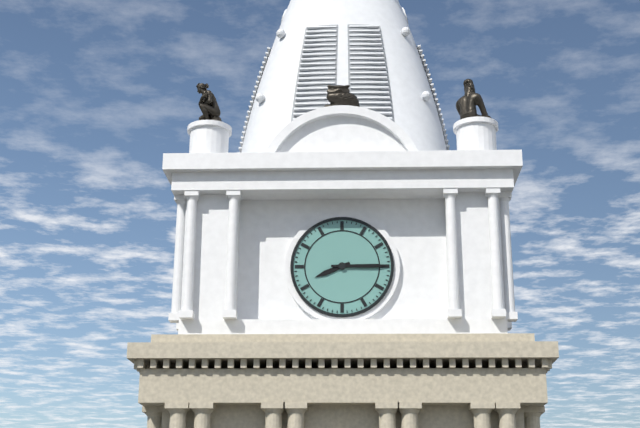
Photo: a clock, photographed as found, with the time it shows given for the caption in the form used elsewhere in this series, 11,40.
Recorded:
8,15
